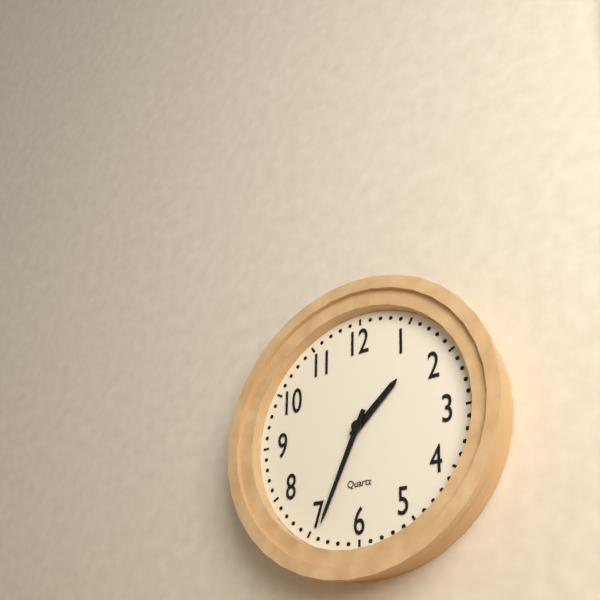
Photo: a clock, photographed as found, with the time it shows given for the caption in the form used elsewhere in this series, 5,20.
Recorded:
1,34
